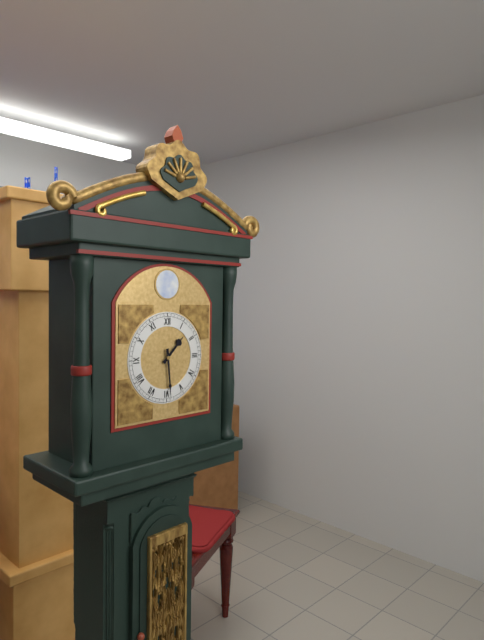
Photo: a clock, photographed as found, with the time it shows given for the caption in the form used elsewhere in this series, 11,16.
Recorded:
1,29
